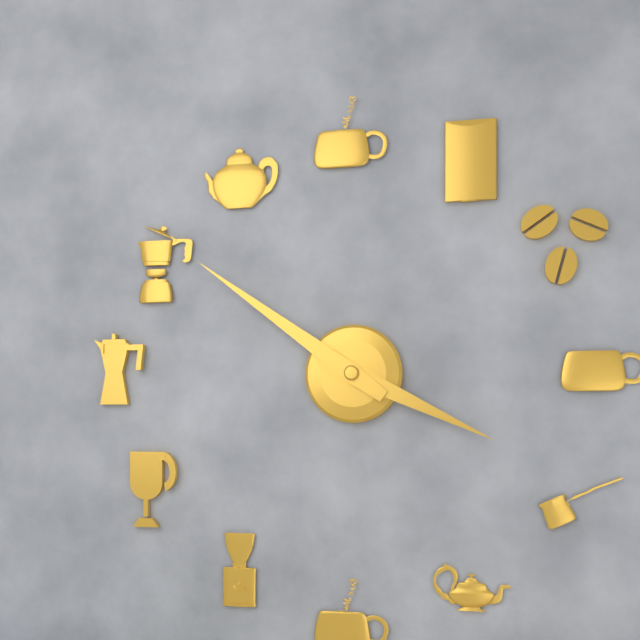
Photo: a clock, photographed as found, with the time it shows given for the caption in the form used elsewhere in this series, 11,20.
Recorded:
3,51
